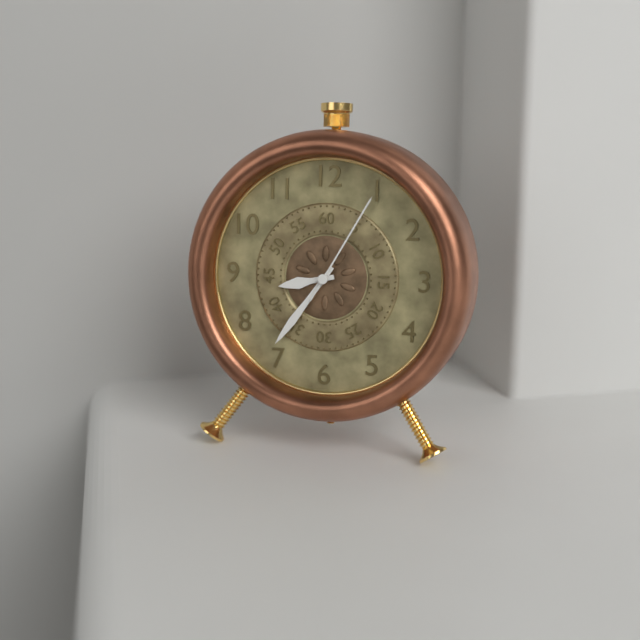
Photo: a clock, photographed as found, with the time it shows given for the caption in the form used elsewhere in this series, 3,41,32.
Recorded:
8,36,05
